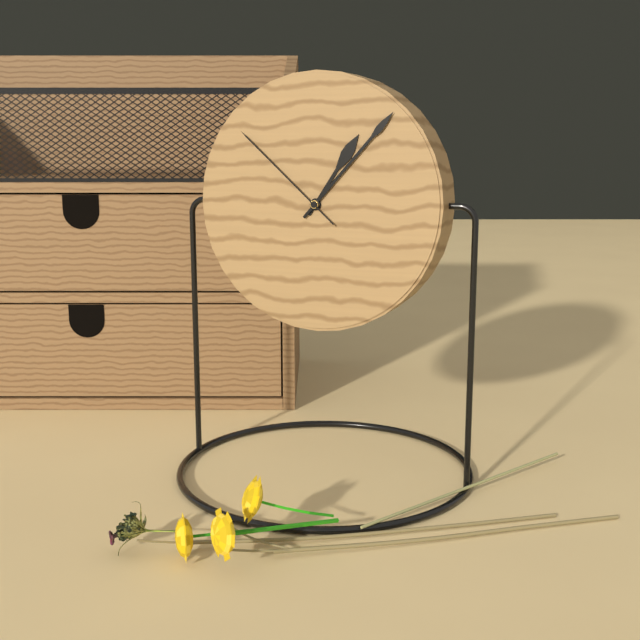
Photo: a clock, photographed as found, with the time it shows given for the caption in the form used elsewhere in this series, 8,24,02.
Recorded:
1,07,52
